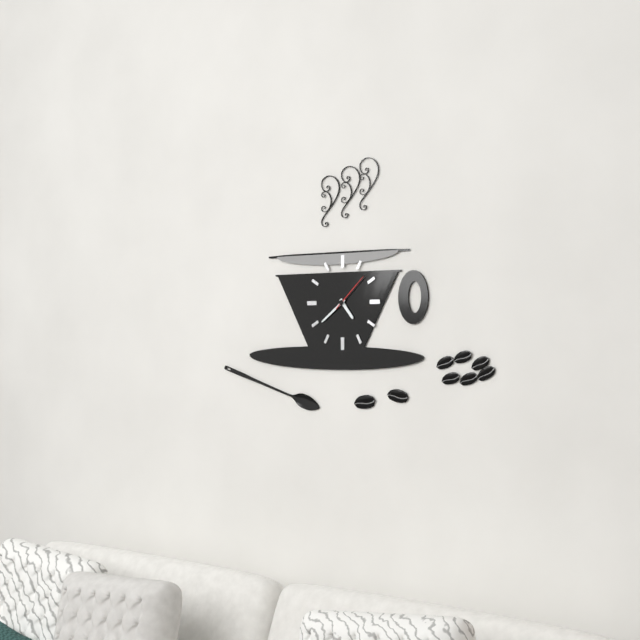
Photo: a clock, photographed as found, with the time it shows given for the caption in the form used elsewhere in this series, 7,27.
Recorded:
4,39
